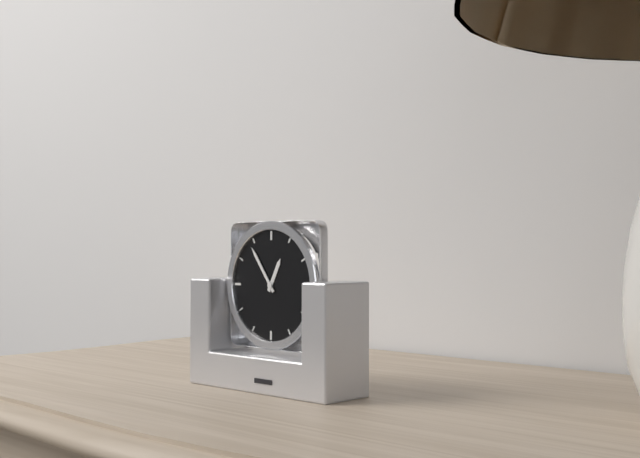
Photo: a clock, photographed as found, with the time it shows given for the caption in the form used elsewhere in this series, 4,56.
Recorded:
12,54
